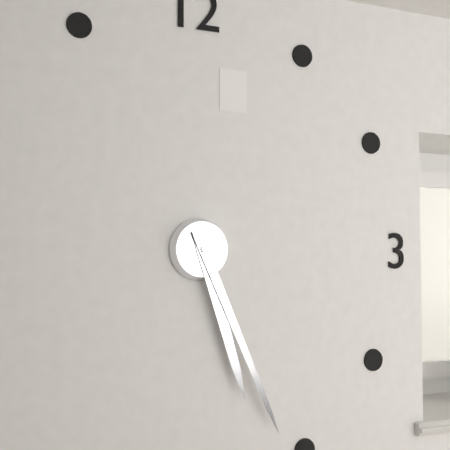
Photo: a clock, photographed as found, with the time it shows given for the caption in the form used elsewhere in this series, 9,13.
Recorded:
5,26
